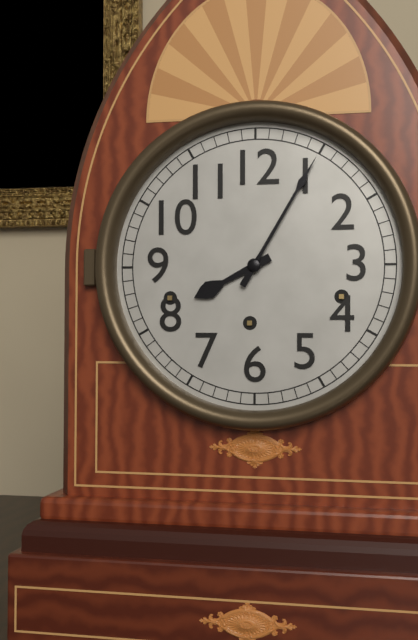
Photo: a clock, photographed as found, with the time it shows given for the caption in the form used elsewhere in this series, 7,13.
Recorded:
8,05
